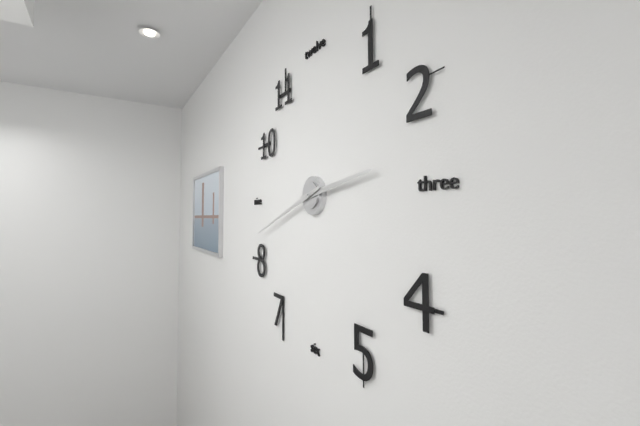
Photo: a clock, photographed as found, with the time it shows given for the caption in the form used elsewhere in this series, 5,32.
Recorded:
2,42
